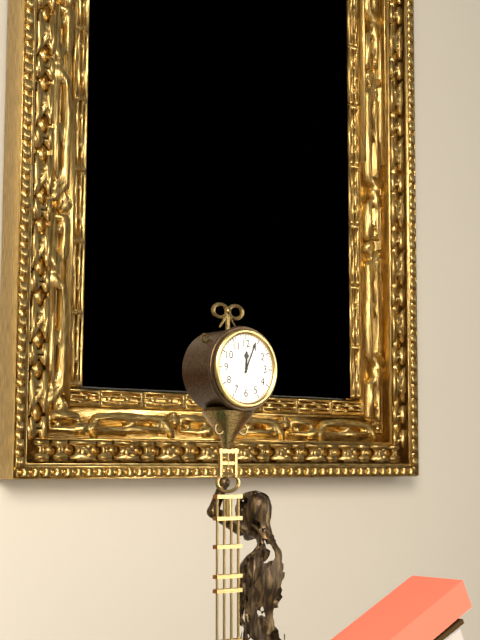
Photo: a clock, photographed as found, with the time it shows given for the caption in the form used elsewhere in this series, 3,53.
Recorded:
12,04
